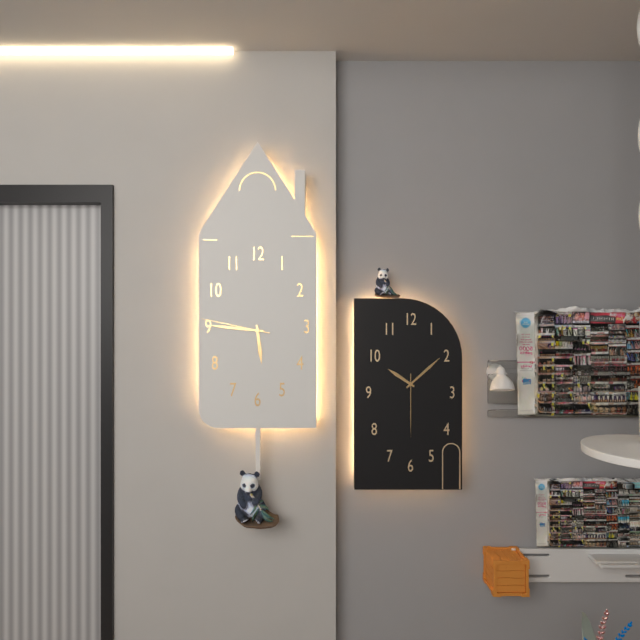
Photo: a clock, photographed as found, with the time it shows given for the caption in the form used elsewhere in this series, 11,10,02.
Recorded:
5,46,47
